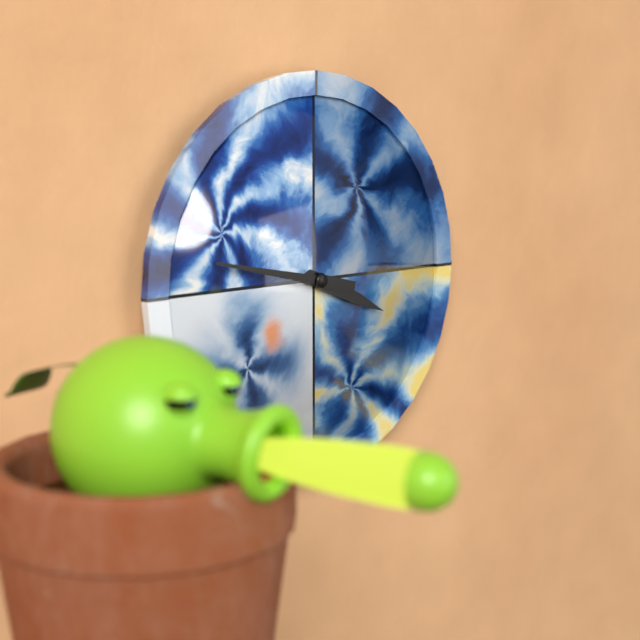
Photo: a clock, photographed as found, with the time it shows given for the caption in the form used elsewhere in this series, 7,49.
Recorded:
3,47
